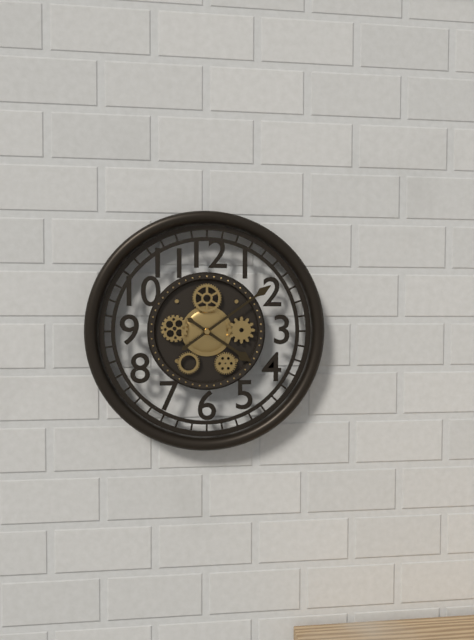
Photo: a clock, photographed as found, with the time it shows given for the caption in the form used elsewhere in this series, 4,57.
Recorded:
4,09
